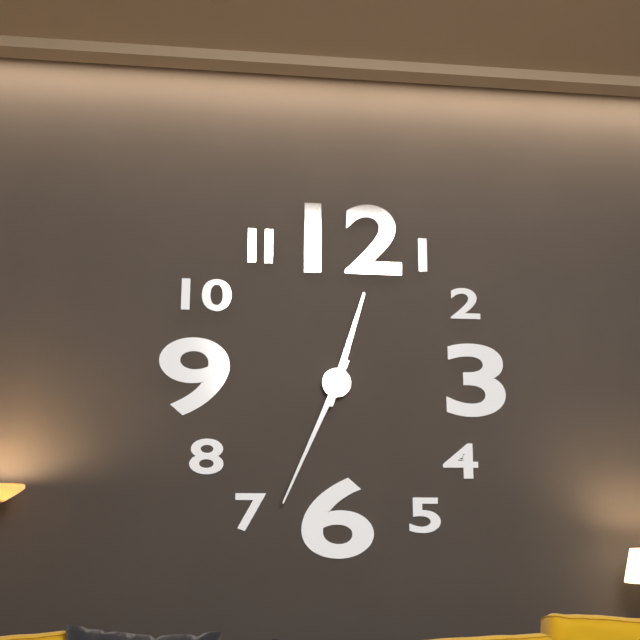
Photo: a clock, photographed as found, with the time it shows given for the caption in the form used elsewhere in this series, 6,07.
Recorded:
12,34
